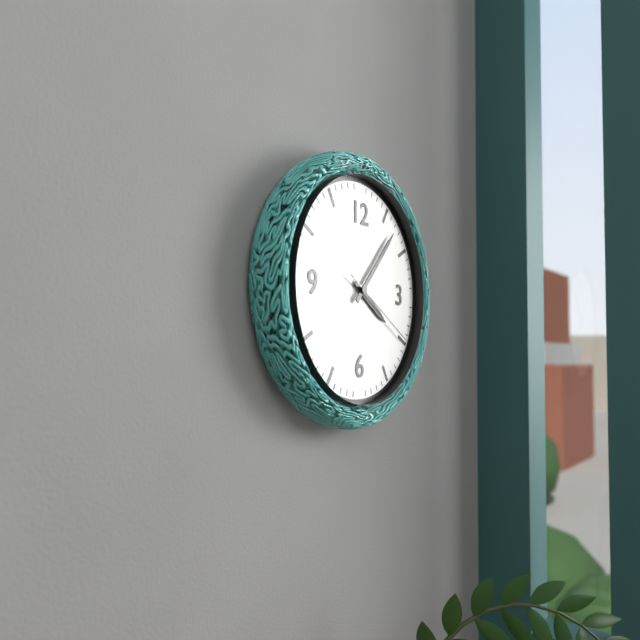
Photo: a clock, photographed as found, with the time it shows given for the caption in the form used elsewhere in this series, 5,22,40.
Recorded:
4,07,20
